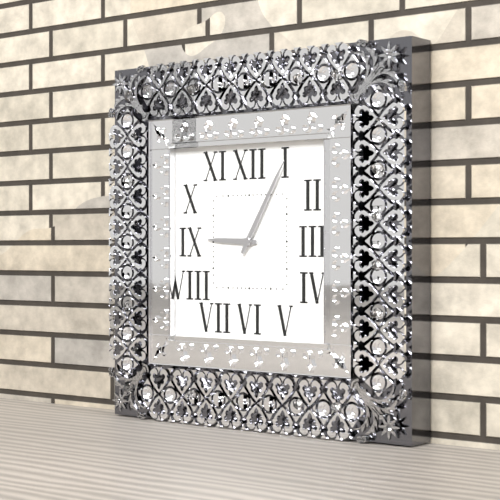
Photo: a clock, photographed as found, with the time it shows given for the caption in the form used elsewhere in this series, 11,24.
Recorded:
9,05
